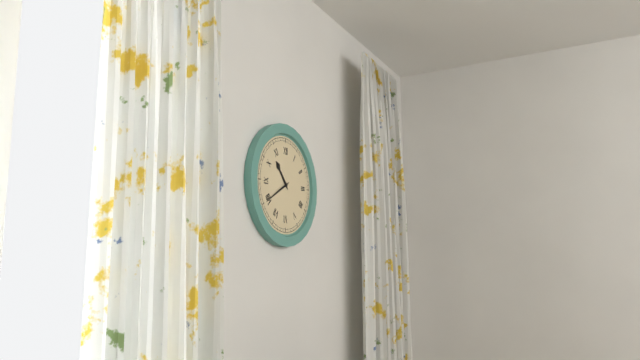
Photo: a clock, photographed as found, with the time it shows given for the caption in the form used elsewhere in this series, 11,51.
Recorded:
10,40
